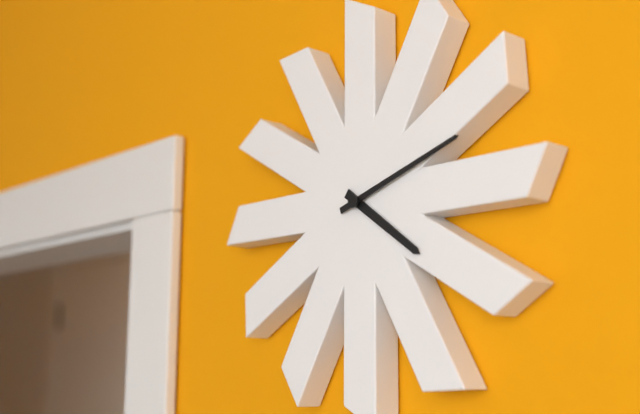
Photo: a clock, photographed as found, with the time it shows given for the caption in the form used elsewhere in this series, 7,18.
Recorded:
4,12
